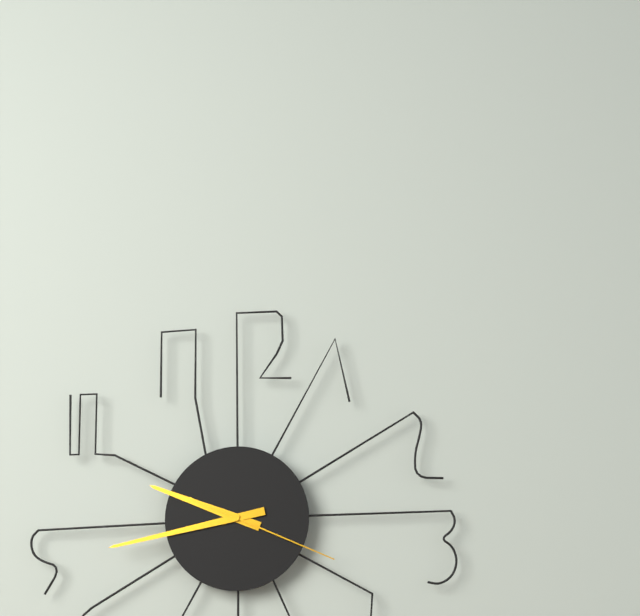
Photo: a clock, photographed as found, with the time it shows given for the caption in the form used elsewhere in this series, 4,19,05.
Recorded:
9,43,19
